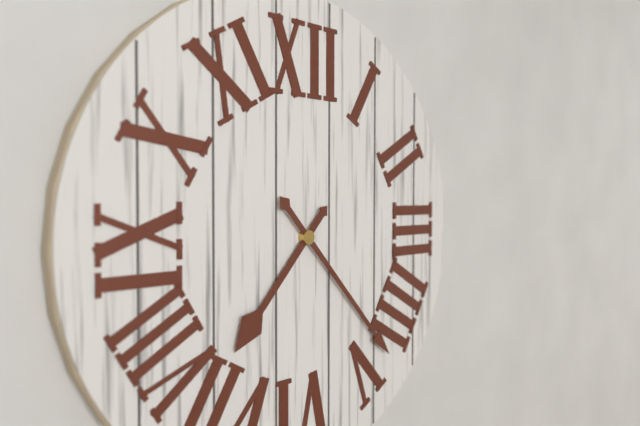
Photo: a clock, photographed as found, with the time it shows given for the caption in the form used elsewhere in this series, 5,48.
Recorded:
7,23
